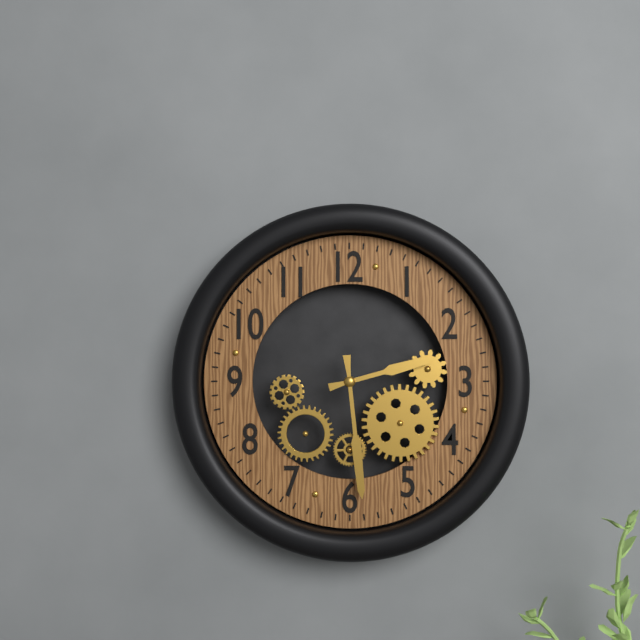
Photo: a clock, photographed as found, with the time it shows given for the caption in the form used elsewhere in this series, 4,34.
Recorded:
2,29
